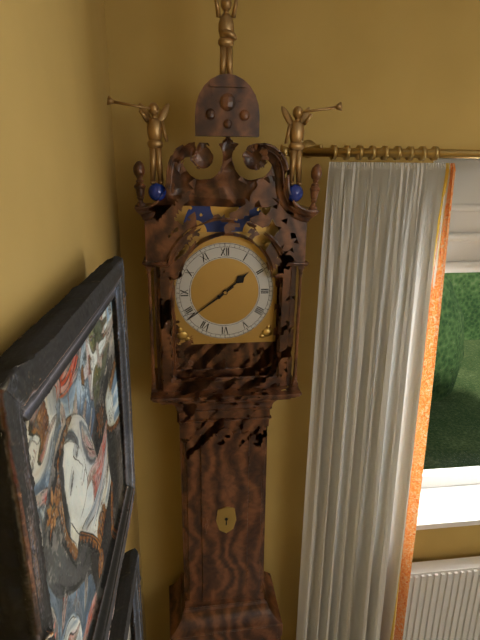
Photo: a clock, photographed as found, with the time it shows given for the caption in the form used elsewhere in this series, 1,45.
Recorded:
1,39
